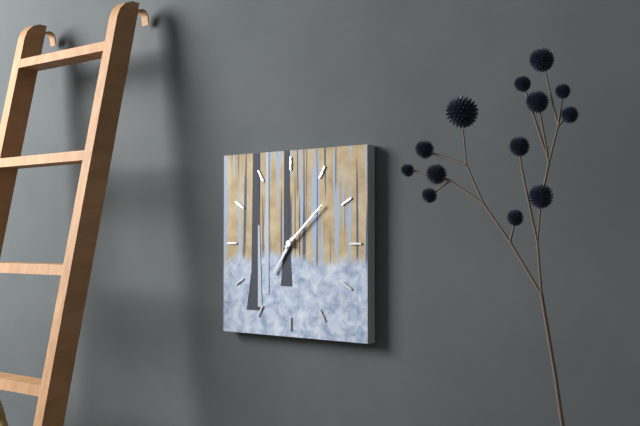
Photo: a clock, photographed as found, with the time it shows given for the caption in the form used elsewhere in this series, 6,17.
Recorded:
7,08
